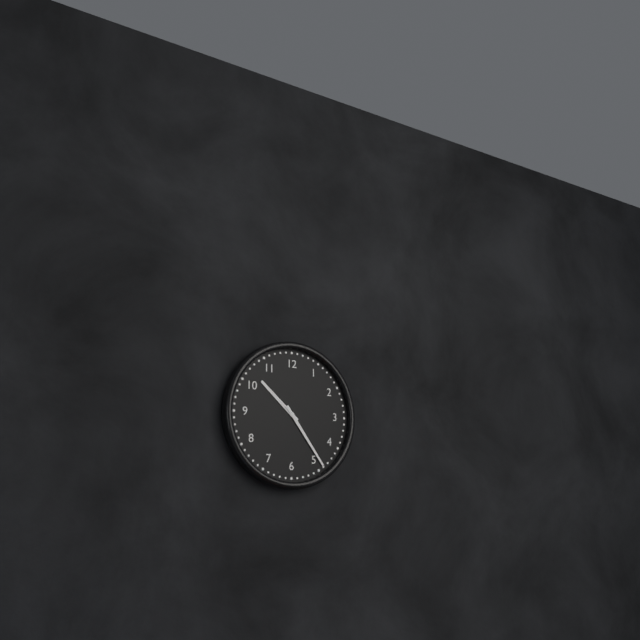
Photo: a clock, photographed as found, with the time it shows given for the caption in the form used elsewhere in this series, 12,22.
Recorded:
10,24
